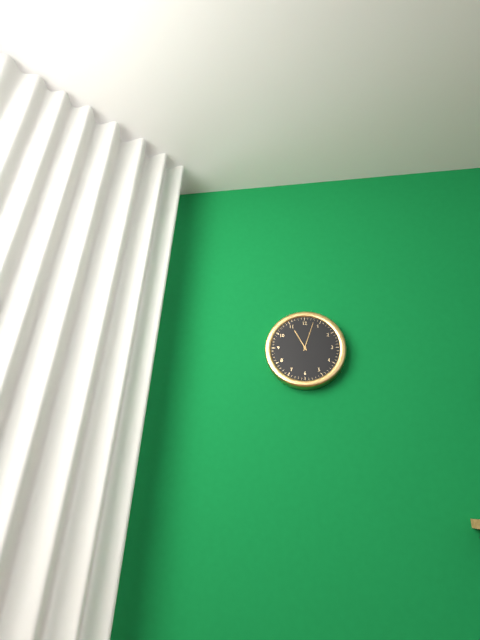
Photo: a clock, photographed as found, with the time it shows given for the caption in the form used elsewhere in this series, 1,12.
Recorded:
11,03
